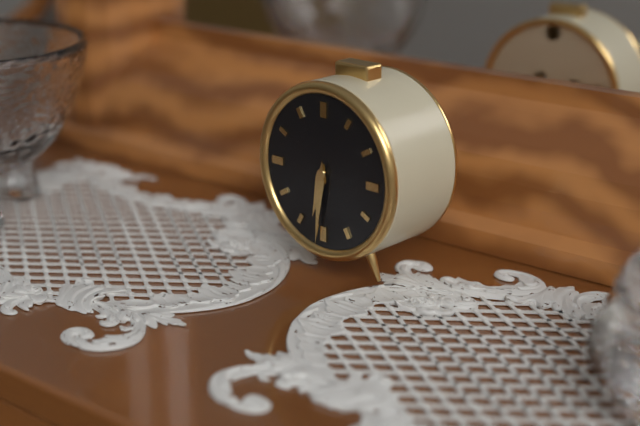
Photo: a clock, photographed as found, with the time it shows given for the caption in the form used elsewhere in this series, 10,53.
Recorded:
6,31
